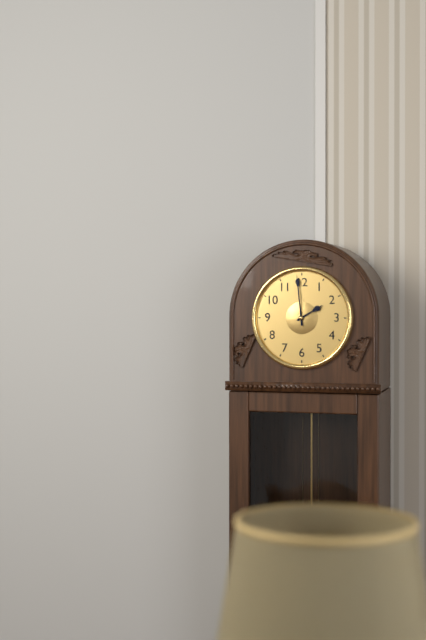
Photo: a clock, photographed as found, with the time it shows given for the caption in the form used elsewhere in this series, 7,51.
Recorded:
1,59
